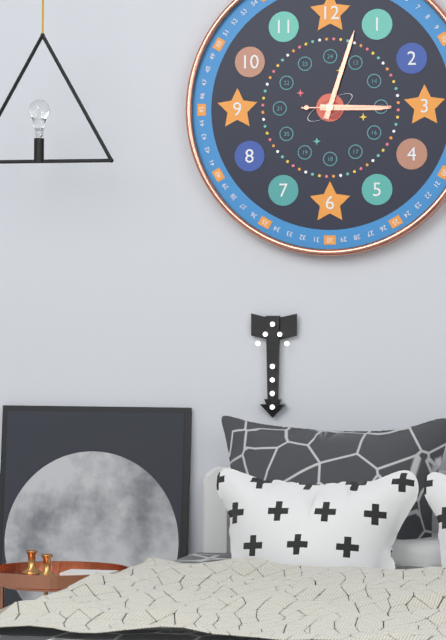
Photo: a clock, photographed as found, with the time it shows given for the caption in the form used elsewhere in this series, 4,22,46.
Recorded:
3,03,15
